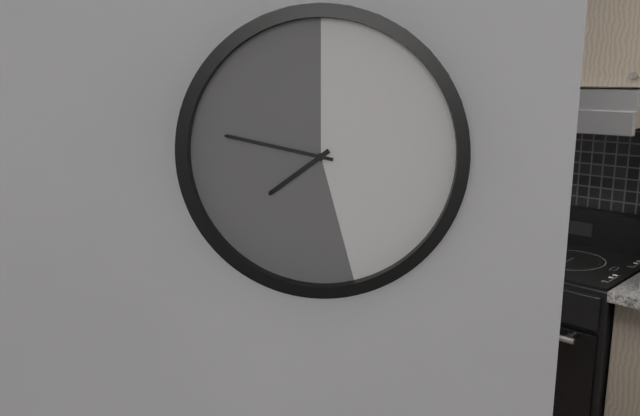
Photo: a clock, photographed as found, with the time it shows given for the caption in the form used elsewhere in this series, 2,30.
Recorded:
7,47
